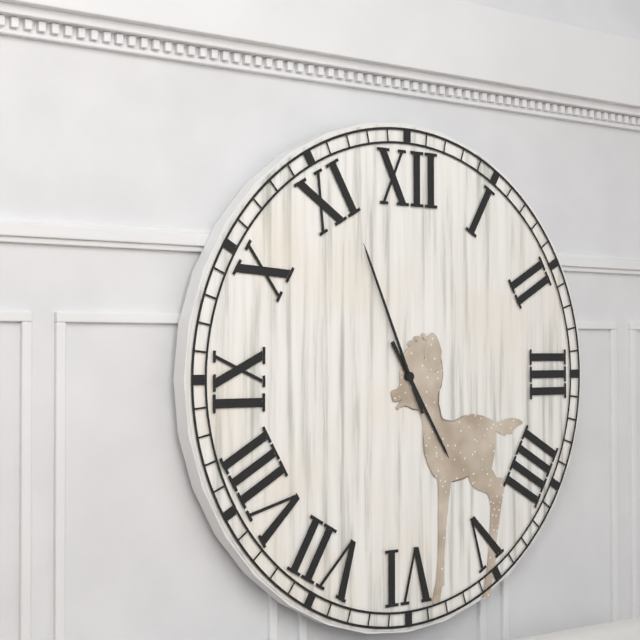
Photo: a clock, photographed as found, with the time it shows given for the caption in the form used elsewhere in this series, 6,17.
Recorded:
4,56
